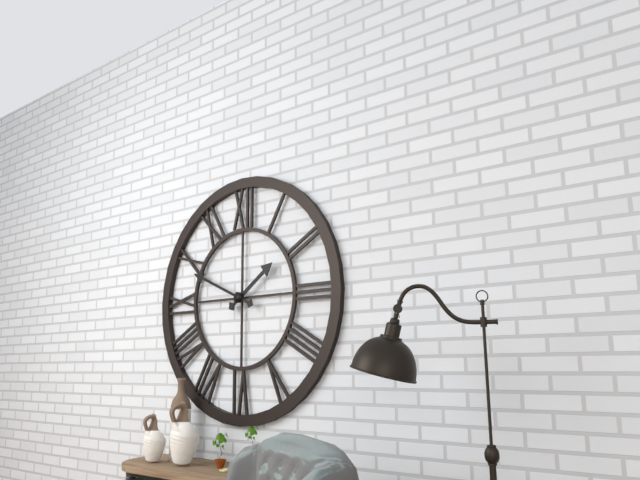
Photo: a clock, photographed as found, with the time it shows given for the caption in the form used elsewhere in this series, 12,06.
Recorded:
1,49
